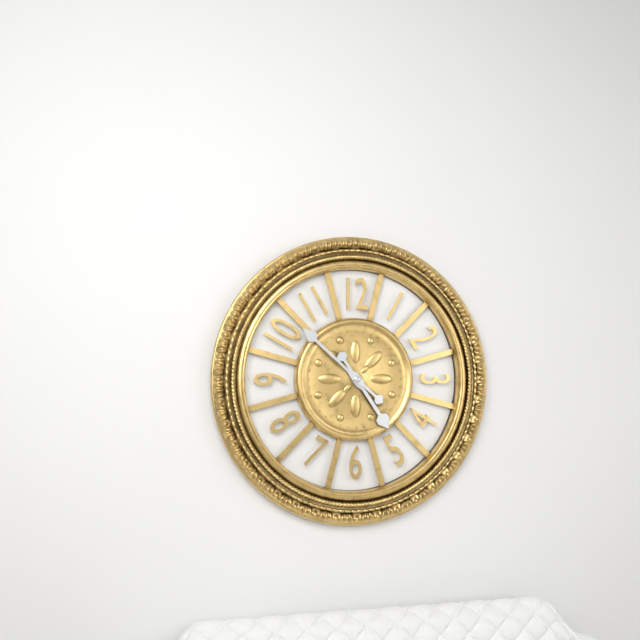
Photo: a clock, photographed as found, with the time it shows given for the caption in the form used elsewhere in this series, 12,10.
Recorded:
4,52
